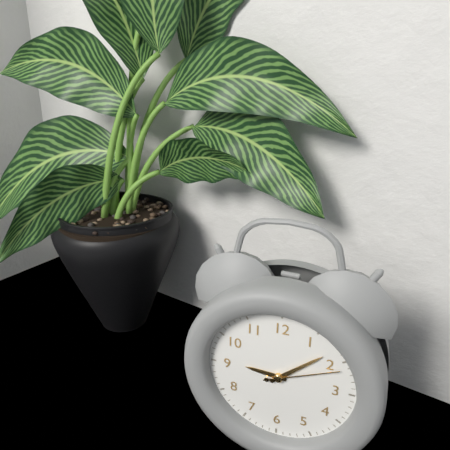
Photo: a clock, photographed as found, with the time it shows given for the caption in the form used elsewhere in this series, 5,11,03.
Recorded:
9,08,11
